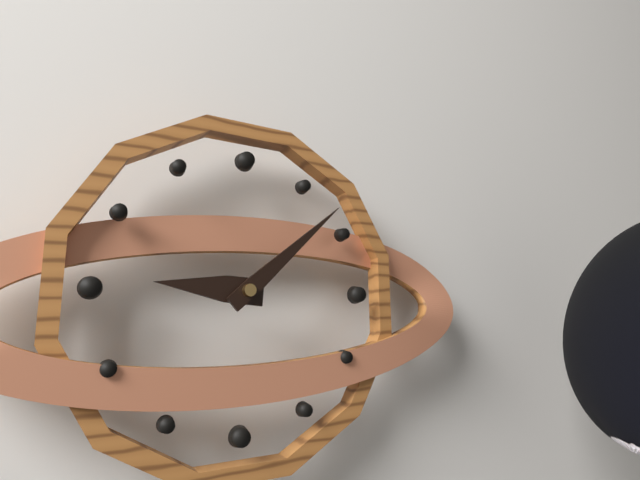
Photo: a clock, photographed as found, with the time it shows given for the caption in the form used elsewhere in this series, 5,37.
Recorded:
9,08
